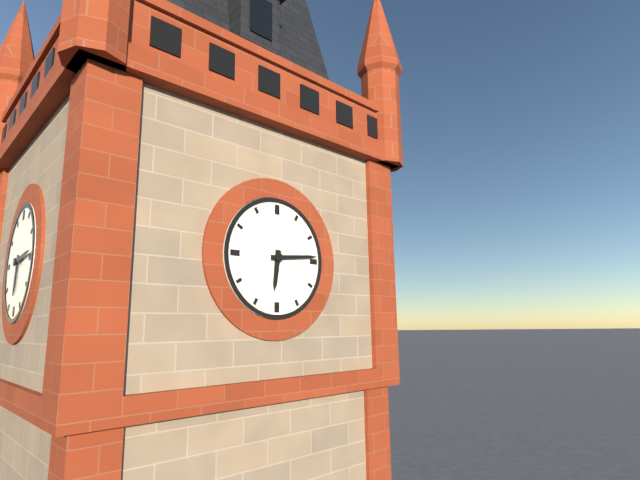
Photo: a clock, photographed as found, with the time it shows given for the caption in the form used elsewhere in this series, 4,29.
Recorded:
6,14
